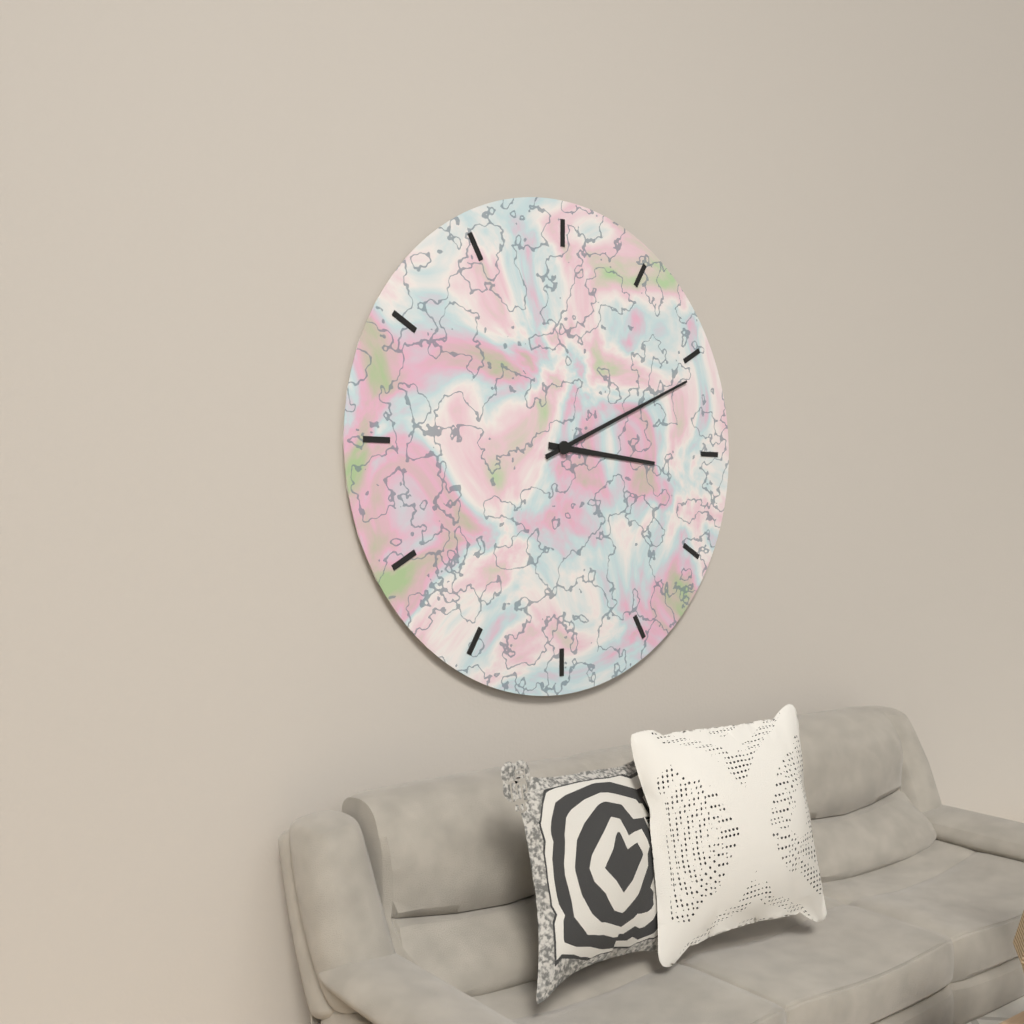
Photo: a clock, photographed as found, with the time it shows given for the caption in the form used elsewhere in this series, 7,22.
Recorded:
3,11
